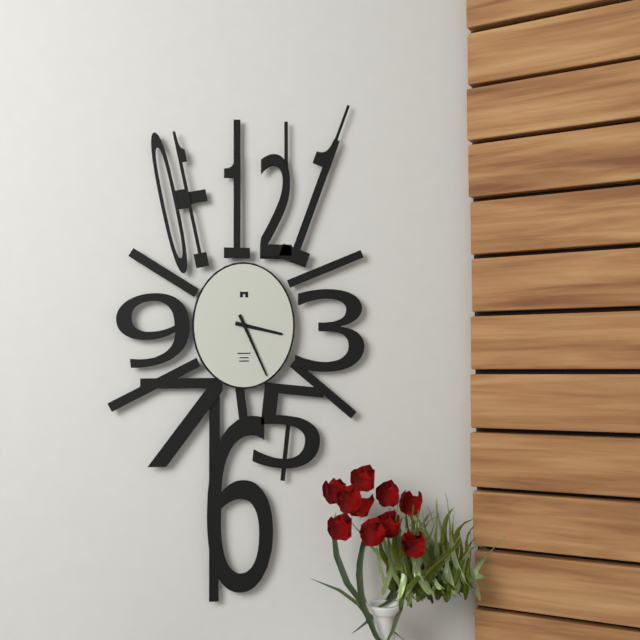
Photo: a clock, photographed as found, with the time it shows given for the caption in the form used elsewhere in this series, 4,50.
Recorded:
3,26
